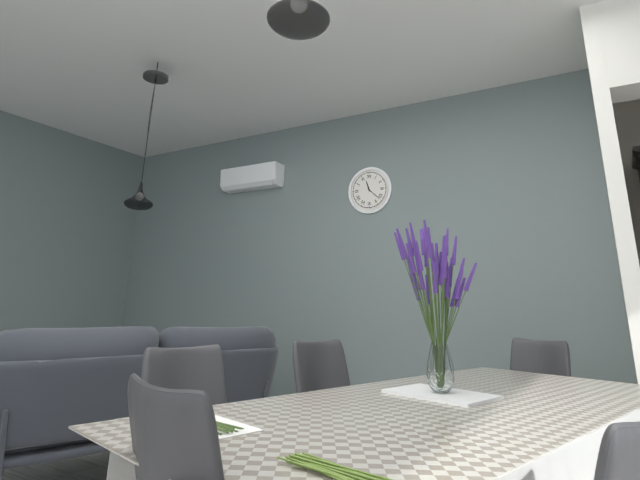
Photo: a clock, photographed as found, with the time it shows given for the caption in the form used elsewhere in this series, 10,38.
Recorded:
11,22
